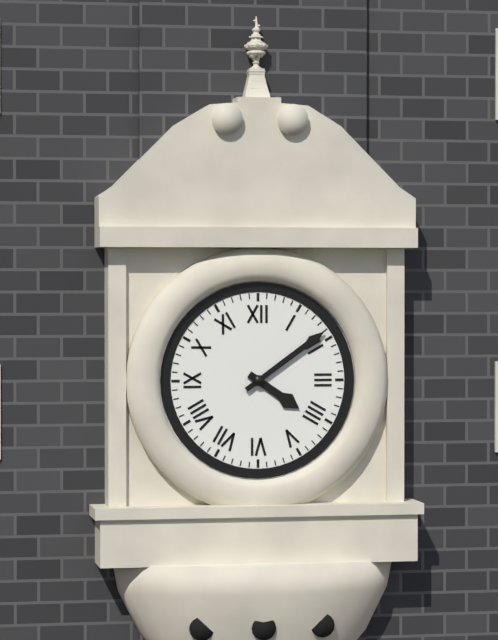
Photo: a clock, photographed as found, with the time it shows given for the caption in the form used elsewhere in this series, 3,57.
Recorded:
4,09
